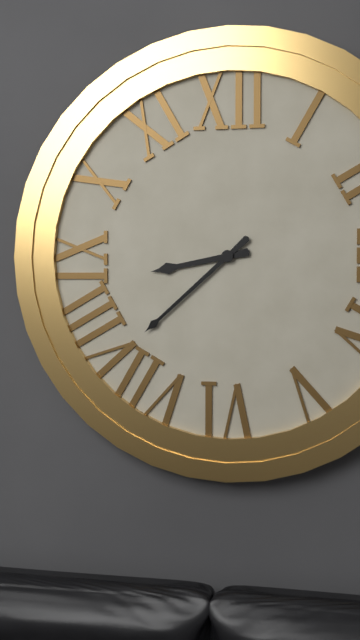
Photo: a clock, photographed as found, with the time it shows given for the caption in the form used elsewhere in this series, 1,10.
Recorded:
8,38
